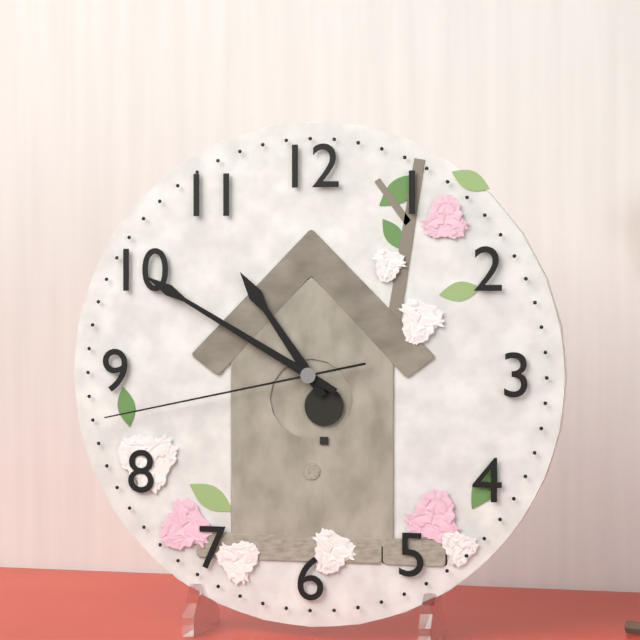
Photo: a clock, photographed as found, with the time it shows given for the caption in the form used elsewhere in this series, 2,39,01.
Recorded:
10,50,43
